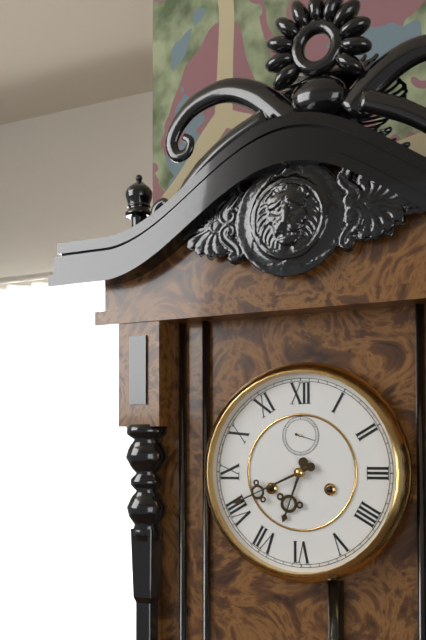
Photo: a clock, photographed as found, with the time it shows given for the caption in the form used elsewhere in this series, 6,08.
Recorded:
6,41
